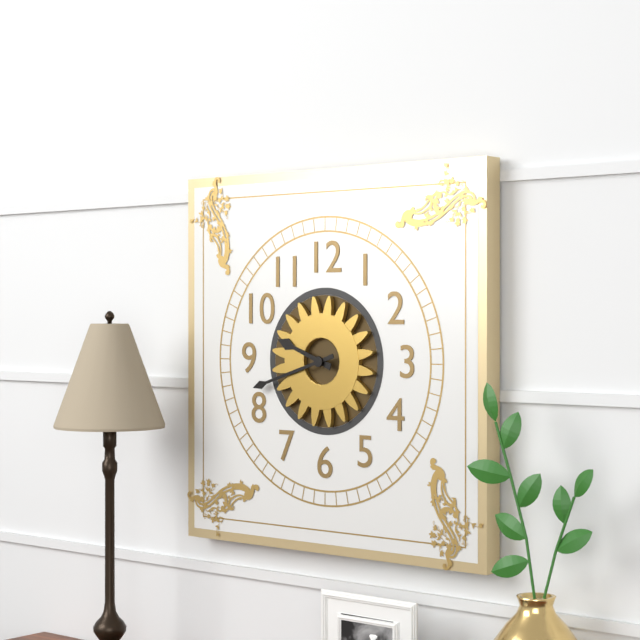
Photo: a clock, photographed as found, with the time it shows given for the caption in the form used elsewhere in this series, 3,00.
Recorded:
9,42
